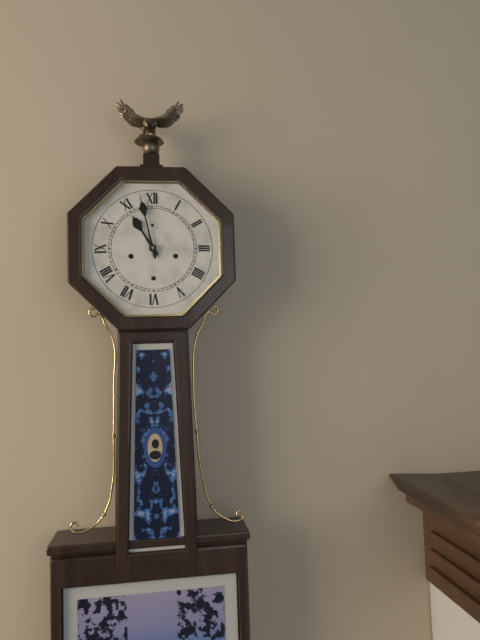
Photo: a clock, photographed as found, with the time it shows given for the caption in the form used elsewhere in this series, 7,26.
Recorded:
10,58
